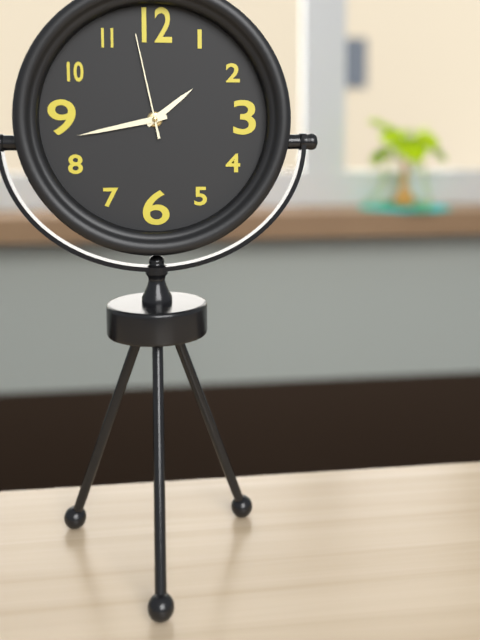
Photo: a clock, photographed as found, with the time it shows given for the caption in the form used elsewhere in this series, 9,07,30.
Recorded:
1,43,58
